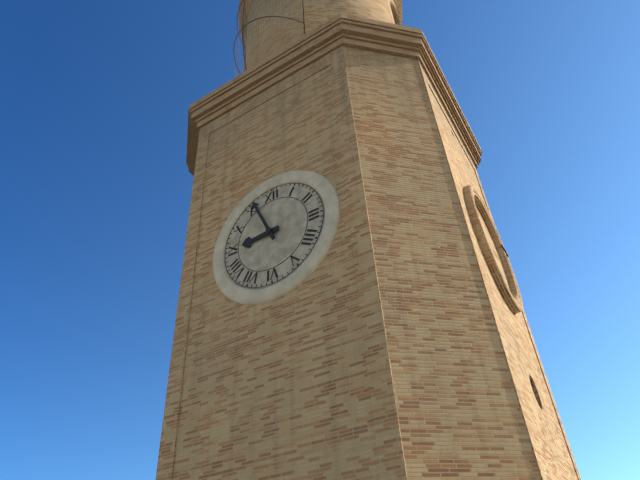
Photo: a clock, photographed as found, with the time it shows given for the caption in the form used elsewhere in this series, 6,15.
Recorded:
8,56
